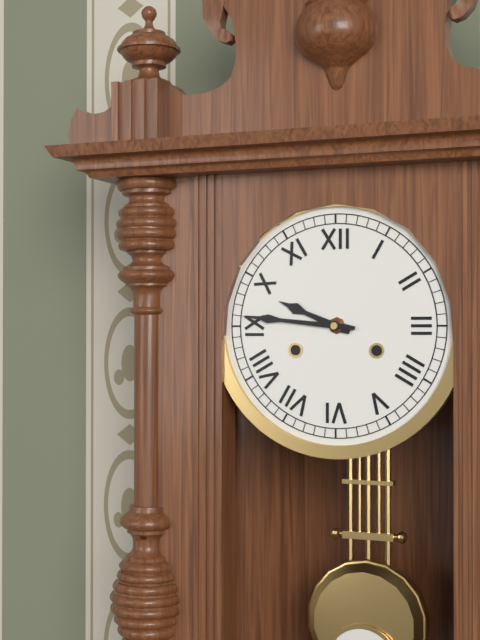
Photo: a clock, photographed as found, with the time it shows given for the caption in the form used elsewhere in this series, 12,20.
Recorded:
9,46
